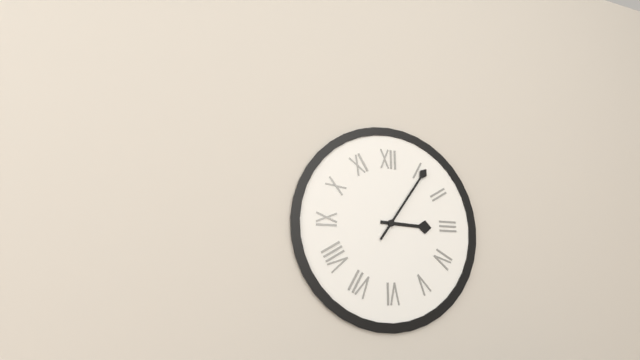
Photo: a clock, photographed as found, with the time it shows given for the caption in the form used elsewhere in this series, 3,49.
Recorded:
3,06
